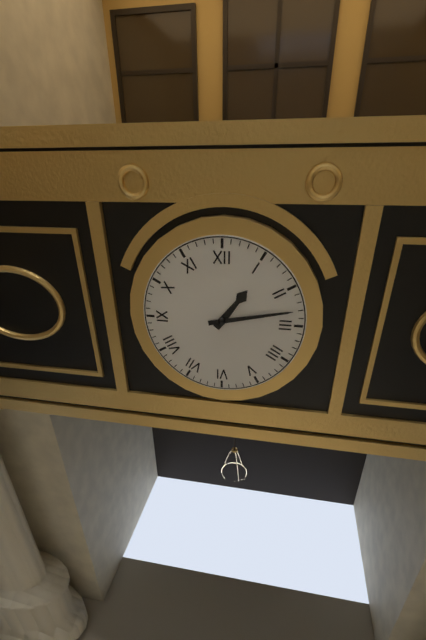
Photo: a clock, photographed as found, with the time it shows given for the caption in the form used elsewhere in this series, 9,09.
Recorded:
1,13
